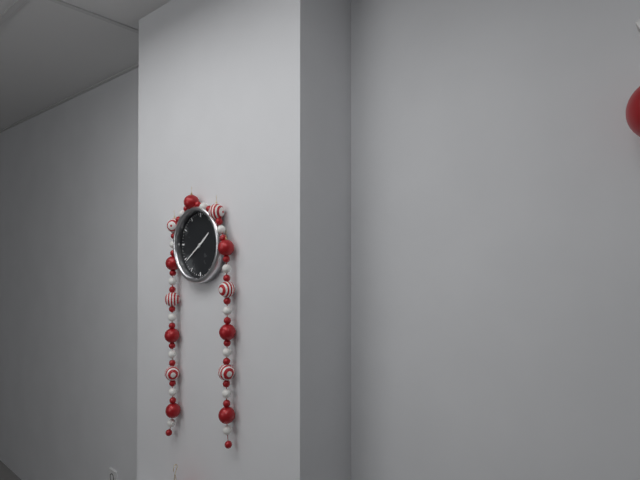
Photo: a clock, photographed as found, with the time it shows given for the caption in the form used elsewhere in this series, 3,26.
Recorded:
1,39
